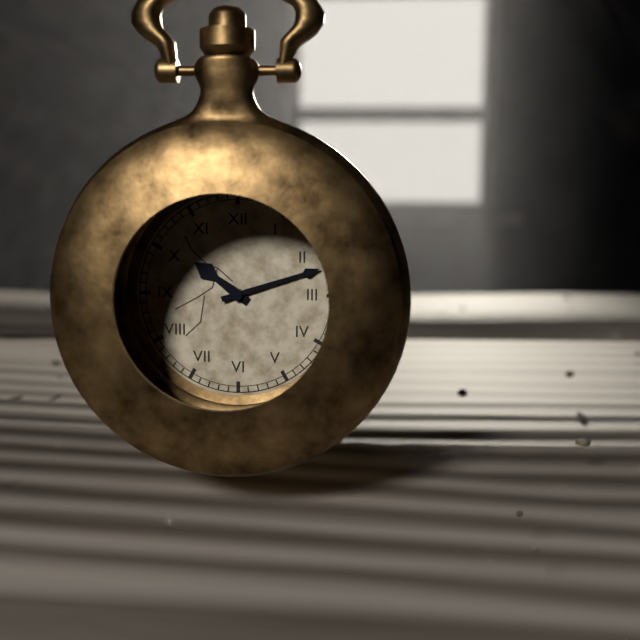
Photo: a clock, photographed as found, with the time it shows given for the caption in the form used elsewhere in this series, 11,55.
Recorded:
10,12
